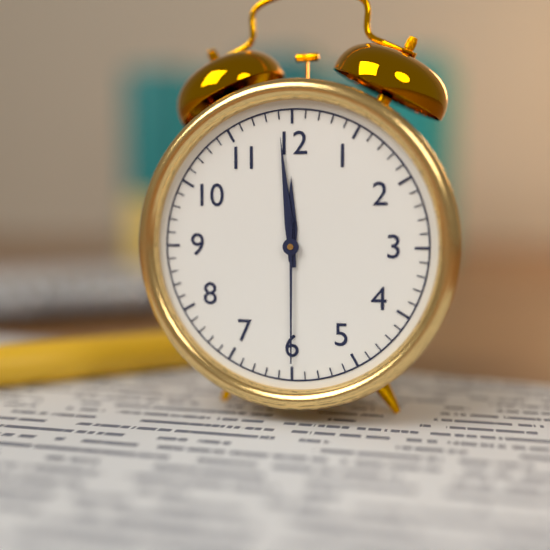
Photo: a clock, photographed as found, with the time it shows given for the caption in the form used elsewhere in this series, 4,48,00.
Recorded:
11,59,30
